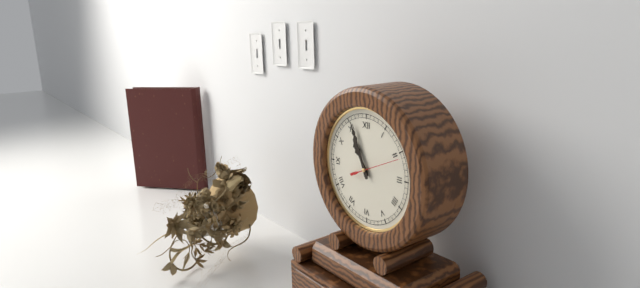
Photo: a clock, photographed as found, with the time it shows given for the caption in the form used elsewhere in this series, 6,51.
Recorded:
10,56
